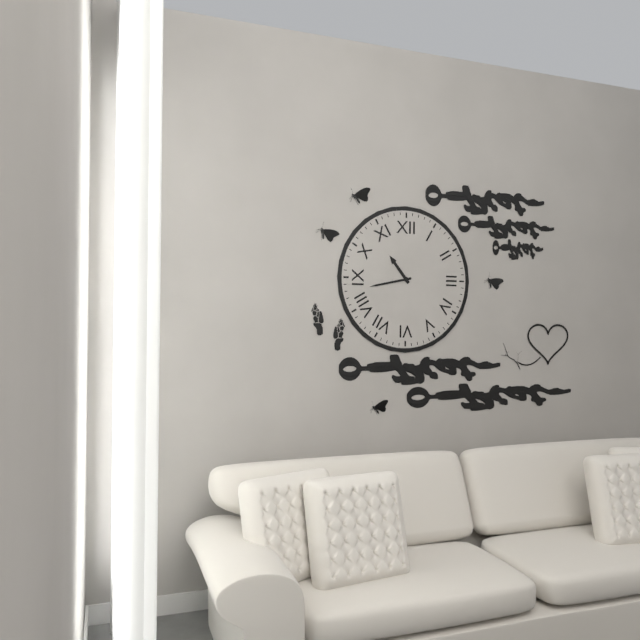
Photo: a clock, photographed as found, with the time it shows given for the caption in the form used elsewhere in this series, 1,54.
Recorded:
10,43
